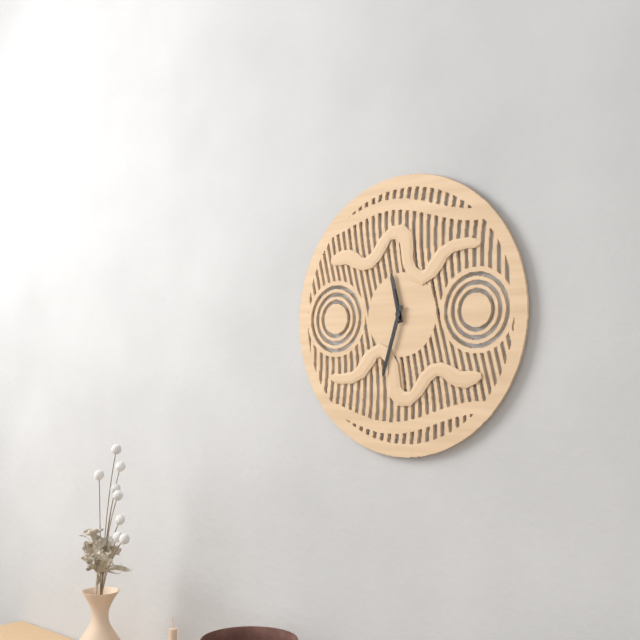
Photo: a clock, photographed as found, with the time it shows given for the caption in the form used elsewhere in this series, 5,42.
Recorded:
11,33
